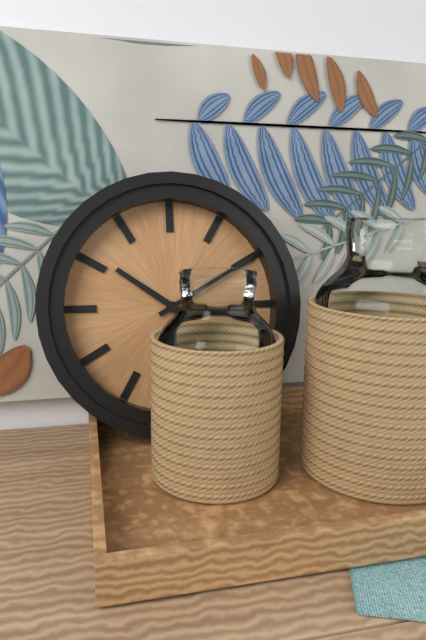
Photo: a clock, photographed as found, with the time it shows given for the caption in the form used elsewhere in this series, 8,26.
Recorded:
10,10
